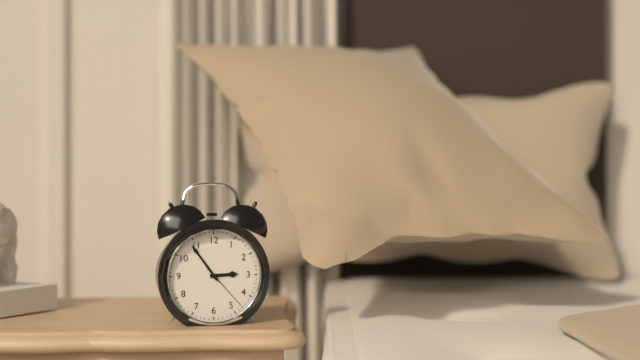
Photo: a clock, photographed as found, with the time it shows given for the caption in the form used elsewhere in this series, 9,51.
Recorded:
2,54
